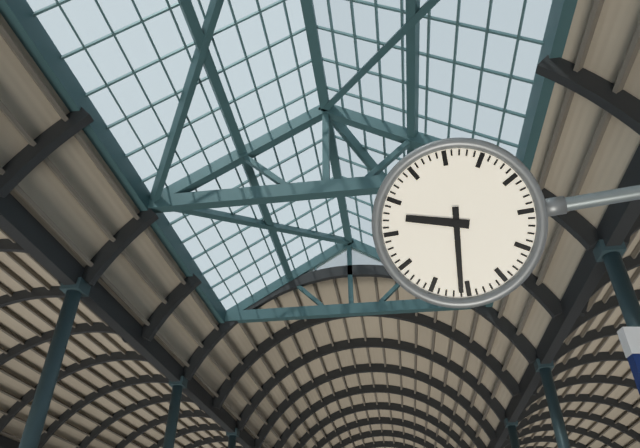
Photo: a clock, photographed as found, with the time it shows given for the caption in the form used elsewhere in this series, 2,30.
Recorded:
9,31
